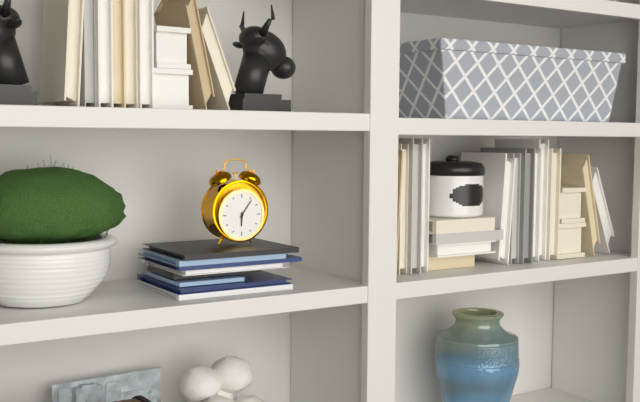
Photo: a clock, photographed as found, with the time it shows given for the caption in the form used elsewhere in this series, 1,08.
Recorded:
6,06
